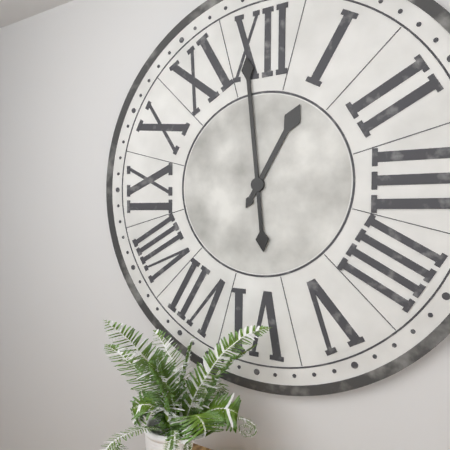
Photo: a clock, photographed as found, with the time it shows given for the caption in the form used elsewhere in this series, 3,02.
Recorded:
12,59
